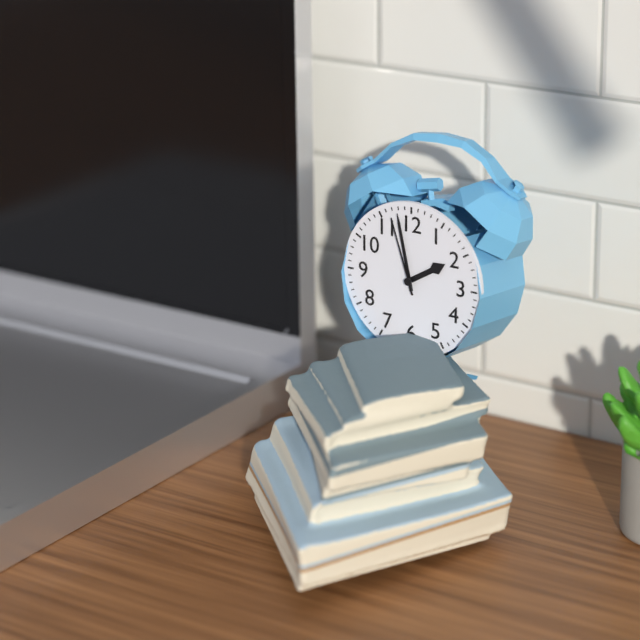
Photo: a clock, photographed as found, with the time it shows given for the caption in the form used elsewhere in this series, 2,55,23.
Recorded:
1,58,57
